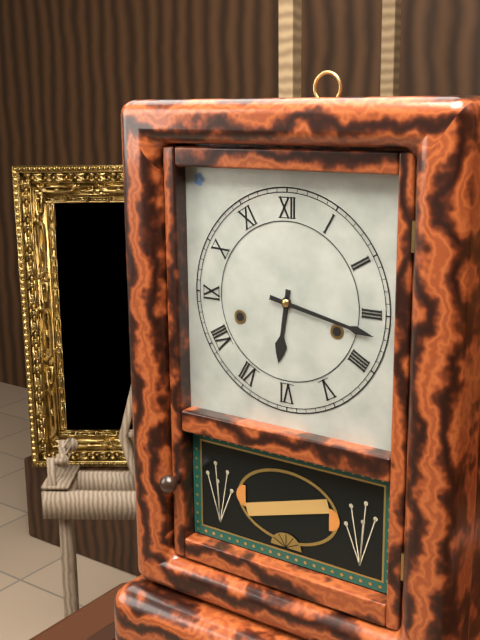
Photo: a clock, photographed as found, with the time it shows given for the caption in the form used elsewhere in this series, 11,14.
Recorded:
6,17
